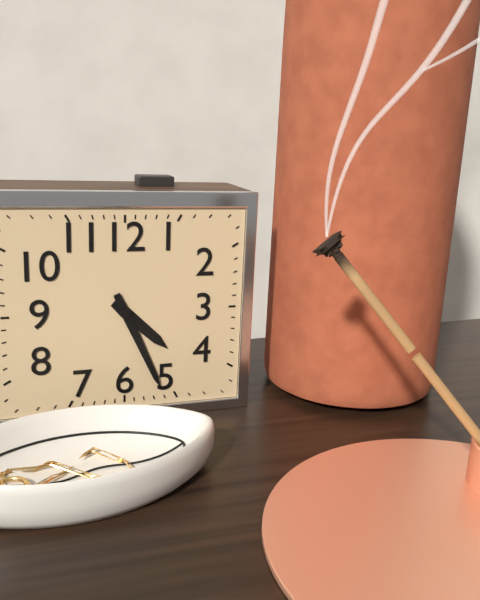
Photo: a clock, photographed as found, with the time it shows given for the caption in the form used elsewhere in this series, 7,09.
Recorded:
4,26
